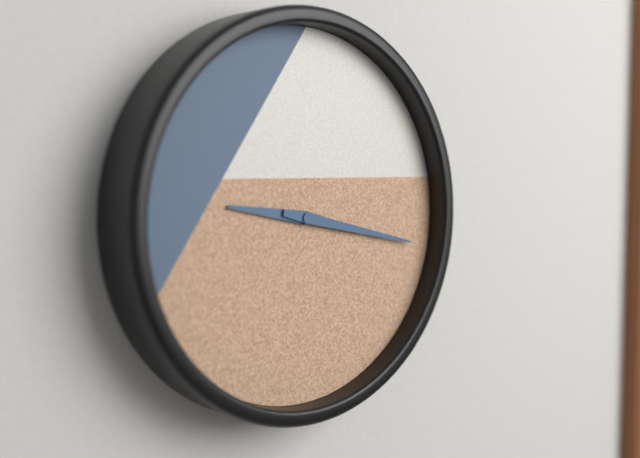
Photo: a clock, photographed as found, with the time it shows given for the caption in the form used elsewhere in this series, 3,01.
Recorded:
9,17
